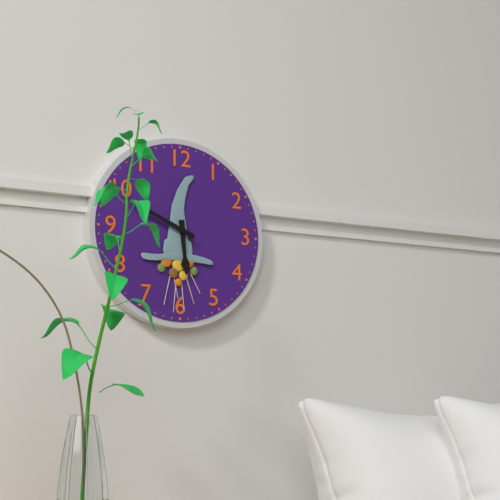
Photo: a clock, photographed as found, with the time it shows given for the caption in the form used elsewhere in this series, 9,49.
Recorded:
5,49
